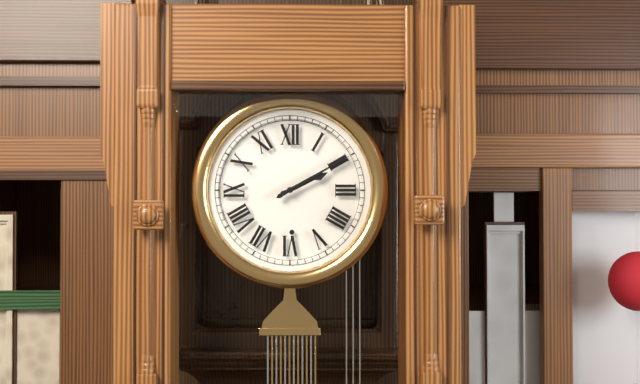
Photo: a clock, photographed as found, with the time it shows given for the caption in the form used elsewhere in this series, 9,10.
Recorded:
2,10
